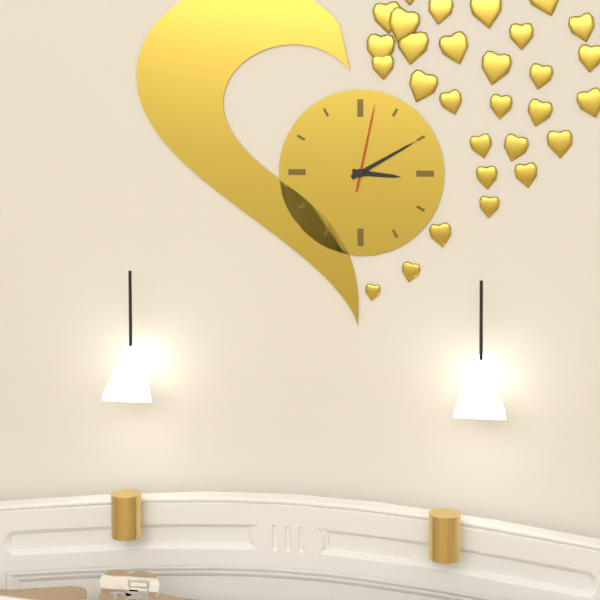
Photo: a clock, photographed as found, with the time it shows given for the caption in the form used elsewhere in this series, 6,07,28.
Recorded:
3,10,02
